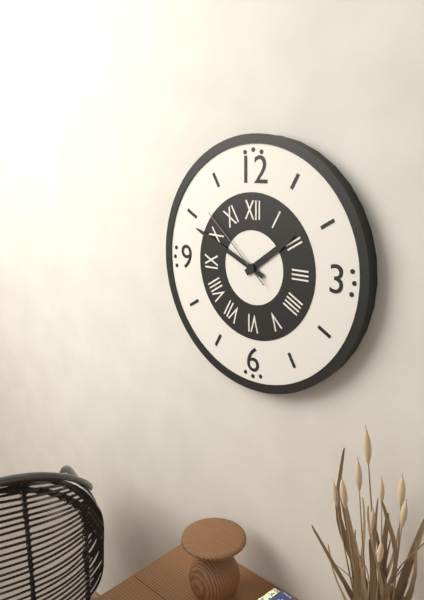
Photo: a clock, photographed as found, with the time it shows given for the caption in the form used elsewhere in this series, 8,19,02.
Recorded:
1,49,52
